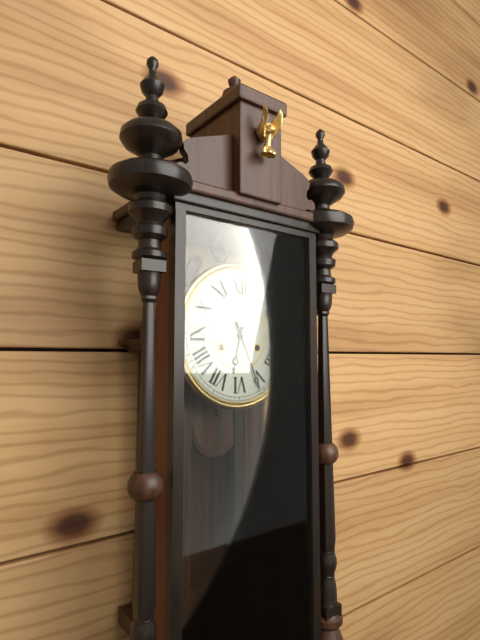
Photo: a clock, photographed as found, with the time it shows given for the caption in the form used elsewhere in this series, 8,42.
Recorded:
6,26
